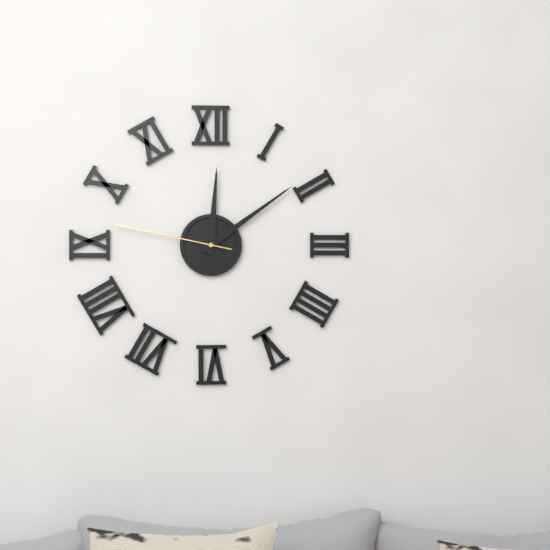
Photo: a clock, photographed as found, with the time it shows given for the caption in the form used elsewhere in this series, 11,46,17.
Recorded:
12,09,47
